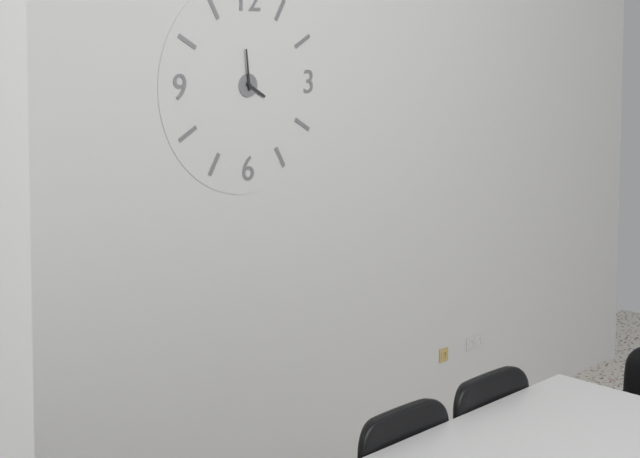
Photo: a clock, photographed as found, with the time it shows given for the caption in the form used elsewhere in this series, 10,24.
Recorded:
3,59
